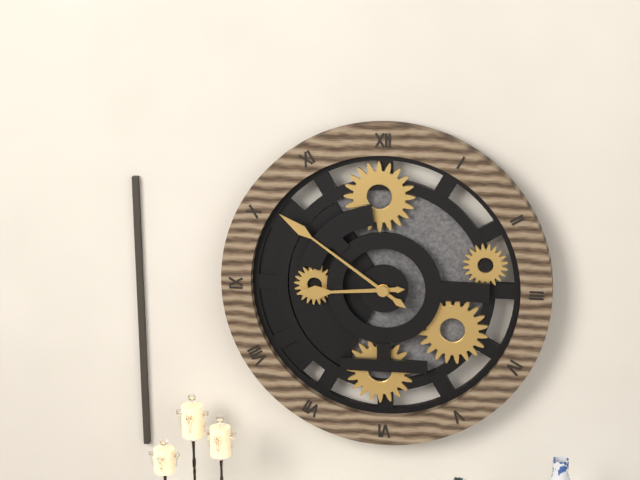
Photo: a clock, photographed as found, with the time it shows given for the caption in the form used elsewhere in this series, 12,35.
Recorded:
8,51
